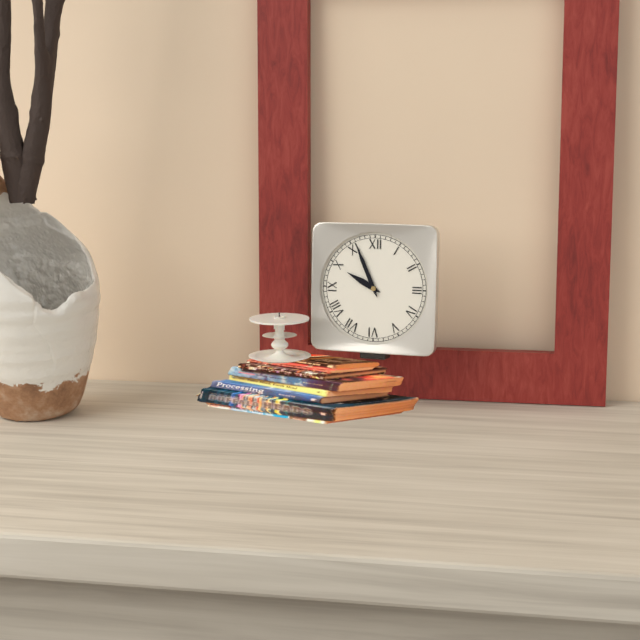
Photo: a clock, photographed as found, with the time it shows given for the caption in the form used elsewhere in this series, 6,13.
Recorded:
9,56
